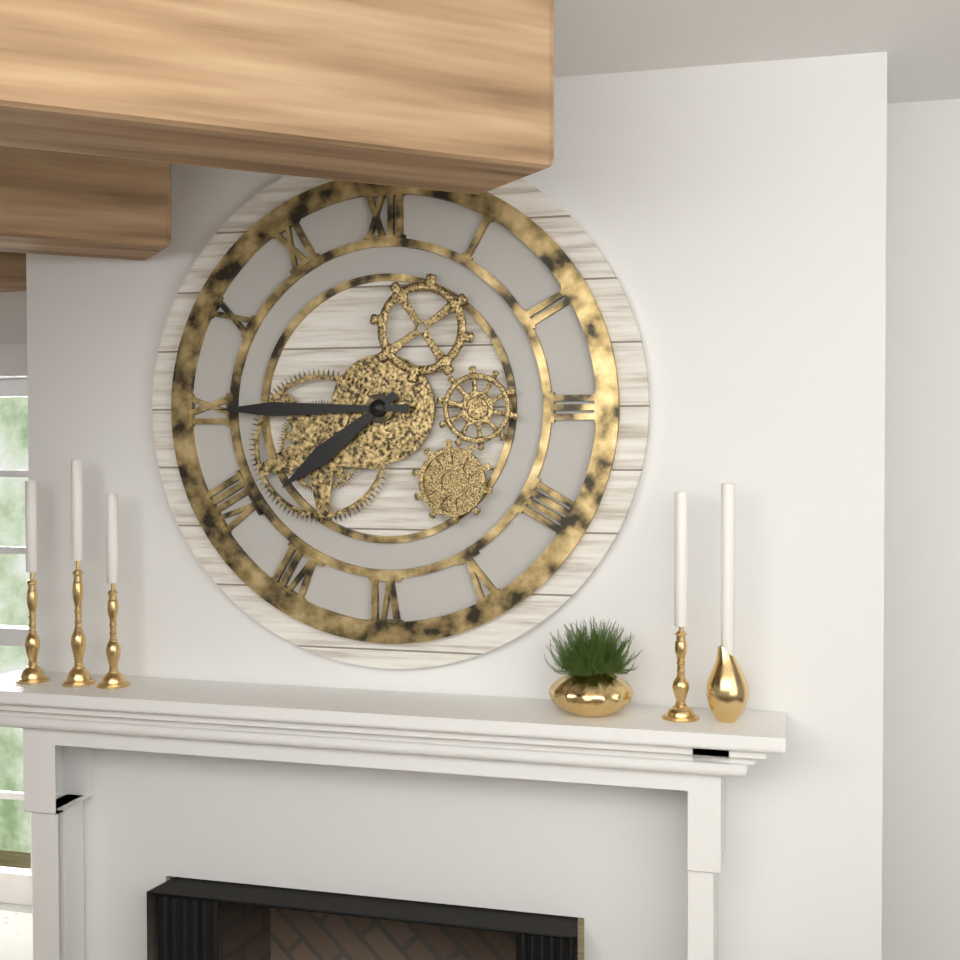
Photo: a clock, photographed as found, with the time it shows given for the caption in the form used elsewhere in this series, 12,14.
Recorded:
7,45
